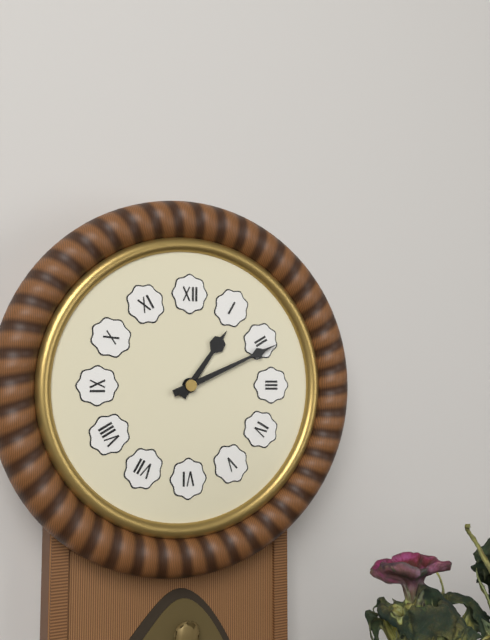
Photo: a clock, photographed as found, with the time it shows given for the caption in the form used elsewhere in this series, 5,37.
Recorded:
1,11
